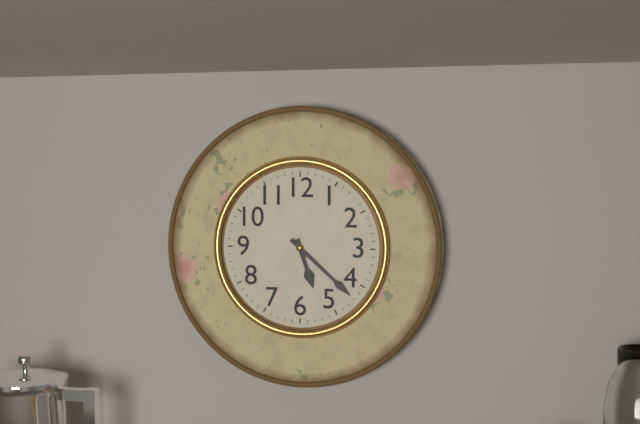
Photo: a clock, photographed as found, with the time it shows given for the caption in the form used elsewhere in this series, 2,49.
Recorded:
5,22
